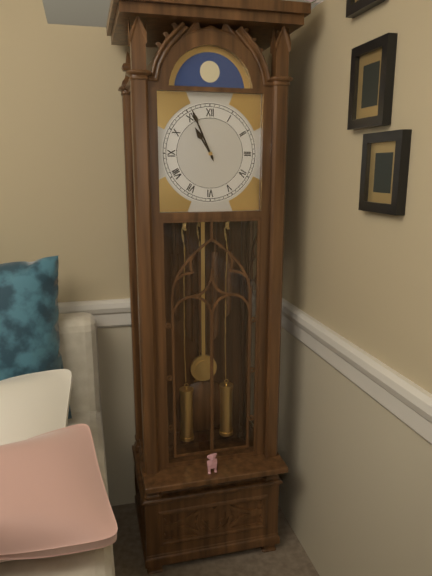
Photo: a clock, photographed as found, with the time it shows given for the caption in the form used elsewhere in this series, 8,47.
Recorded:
10,56
